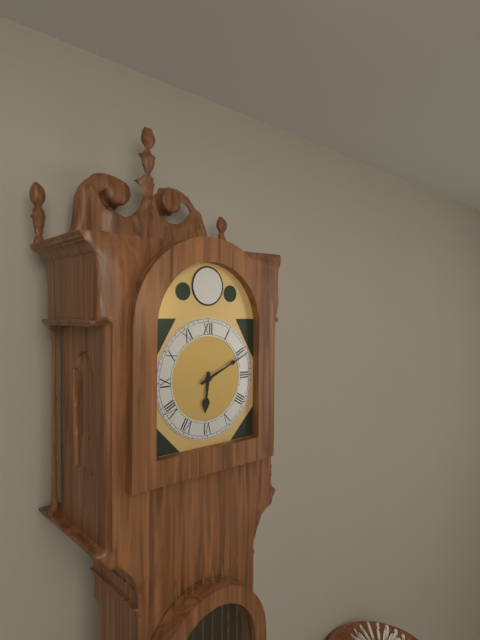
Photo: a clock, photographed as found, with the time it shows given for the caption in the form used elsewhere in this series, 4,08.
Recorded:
6,11
